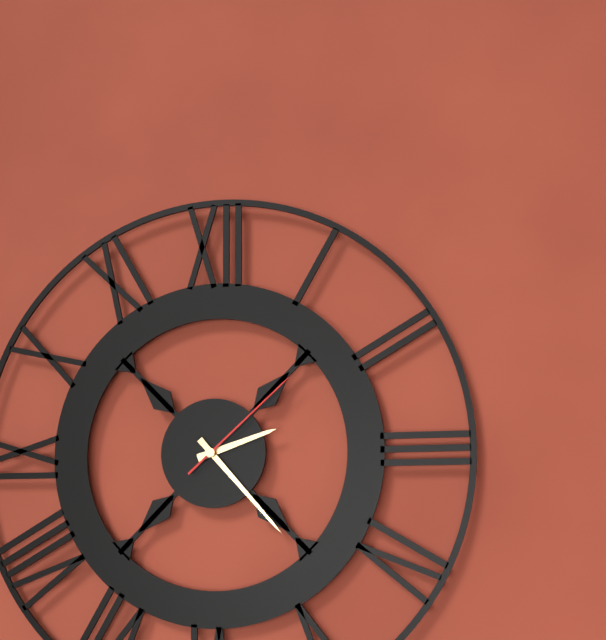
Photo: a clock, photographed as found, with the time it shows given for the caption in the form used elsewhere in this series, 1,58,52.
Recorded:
2,23,08
